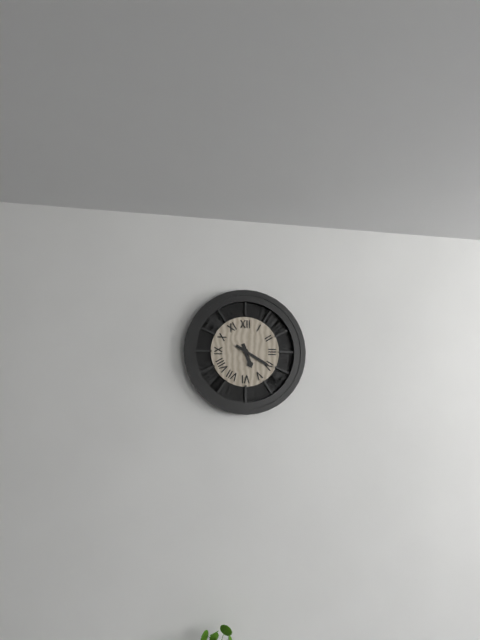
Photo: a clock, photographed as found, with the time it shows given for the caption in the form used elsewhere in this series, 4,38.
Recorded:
5,20
